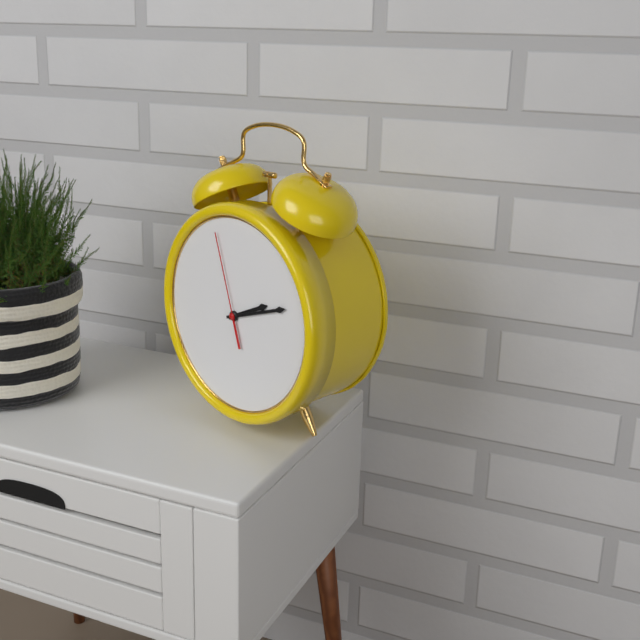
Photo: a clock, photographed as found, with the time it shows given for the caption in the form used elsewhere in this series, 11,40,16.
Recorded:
2,12,57
